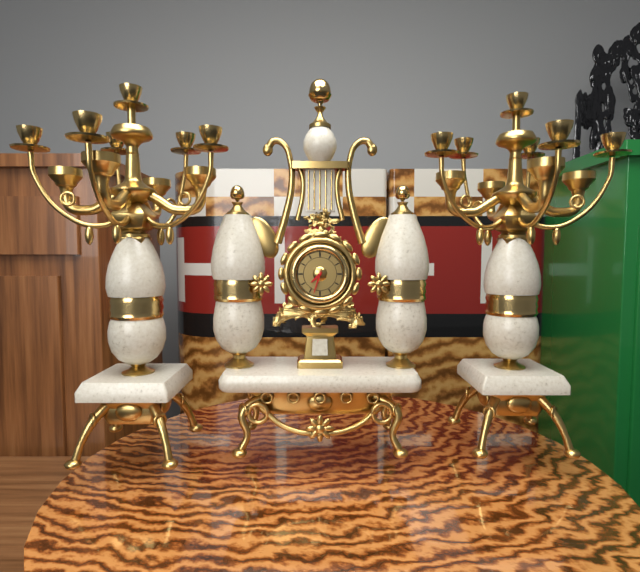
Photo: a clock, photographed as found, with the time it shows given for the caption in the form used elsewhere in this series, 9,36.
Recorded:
7,33
